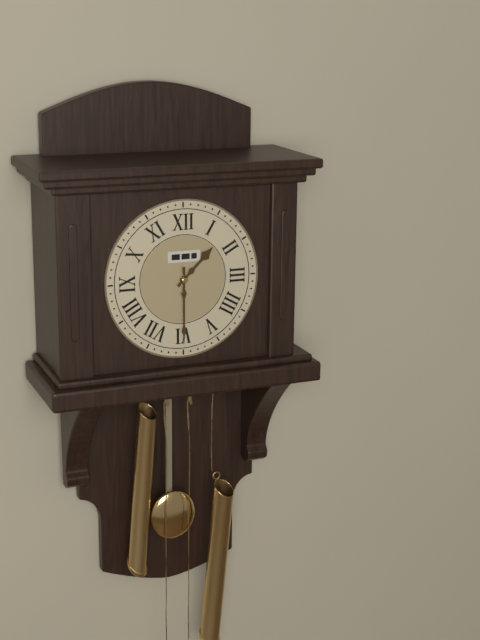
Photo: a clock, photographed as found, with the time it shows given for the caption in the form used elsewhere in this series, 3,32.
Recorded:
1,30
